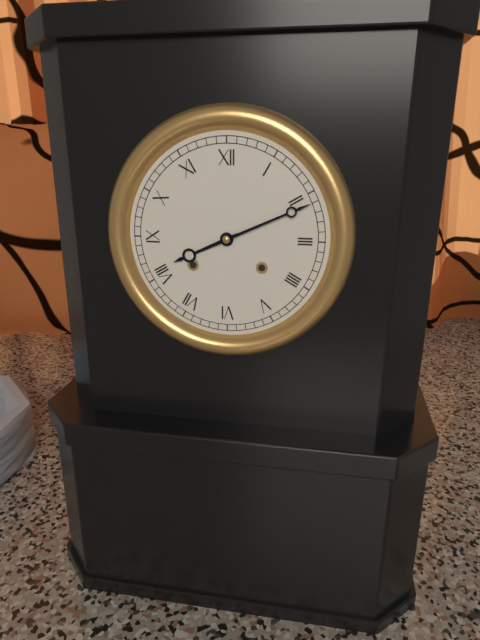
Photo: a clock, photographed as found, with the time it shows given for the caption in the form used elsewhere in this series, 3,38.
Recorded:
8,11
